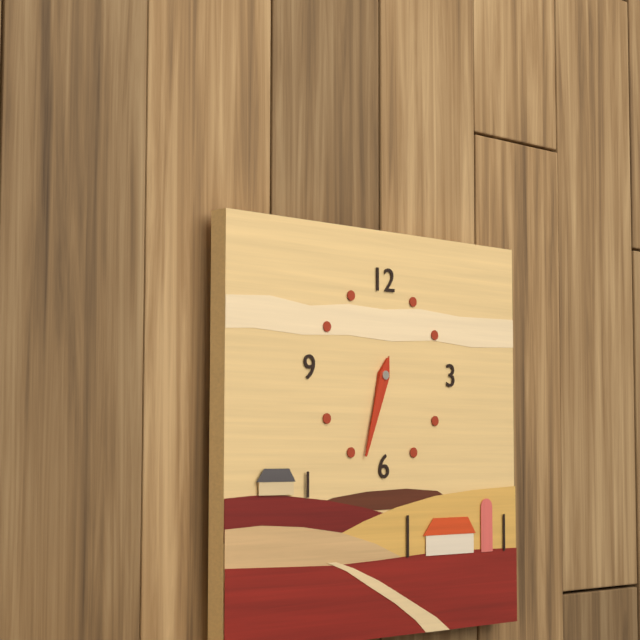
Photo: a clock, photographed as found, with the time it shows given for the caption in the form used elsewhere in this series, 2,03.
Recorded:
6,33
